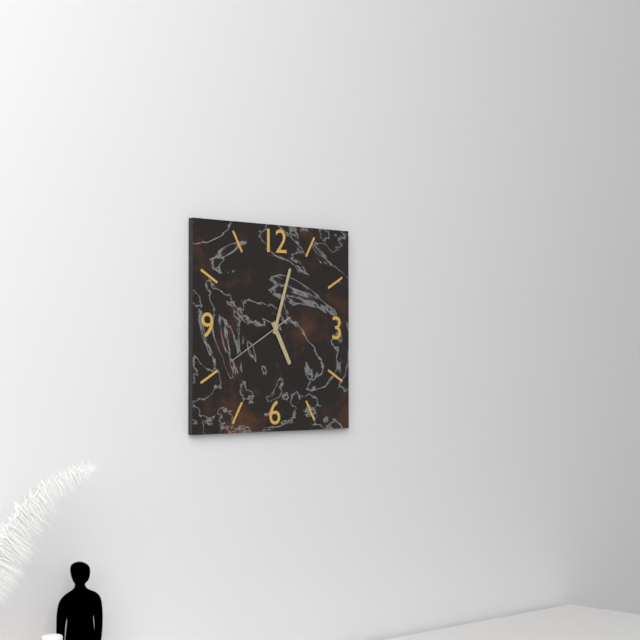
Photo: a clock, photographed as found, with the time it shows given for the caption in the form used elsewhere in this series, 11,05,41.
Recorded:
5,03,40
